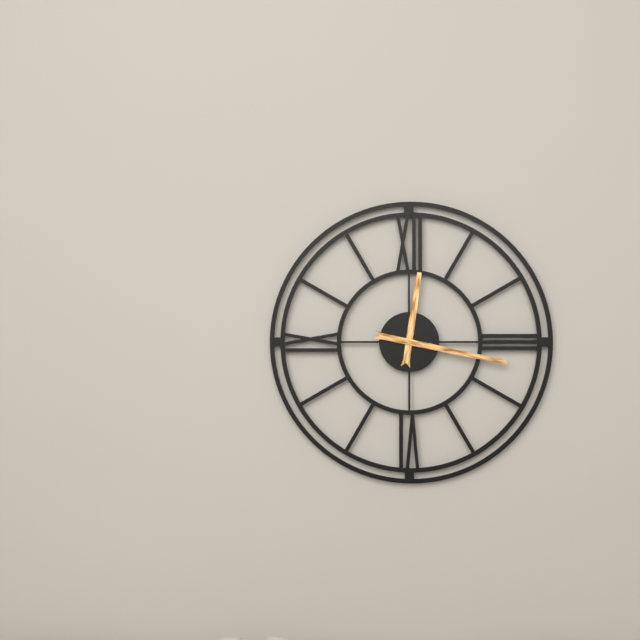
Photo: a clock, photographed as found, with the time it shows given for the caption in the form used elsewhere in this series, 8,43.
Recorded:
12,17
